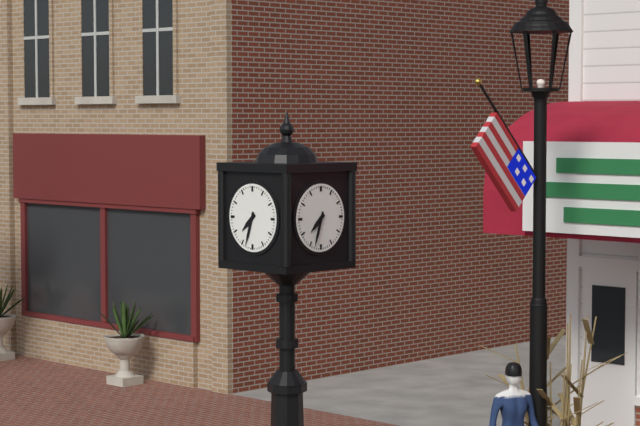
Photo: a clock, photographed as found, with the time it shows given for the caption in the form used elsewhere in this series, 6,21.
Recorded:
7,33
